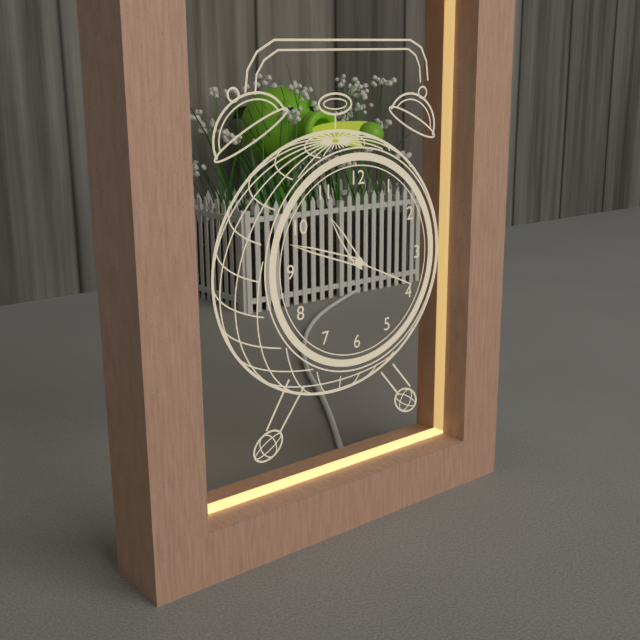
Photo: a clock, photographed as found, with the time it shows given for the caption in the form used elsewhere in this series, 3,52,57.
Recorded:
10,48,19
